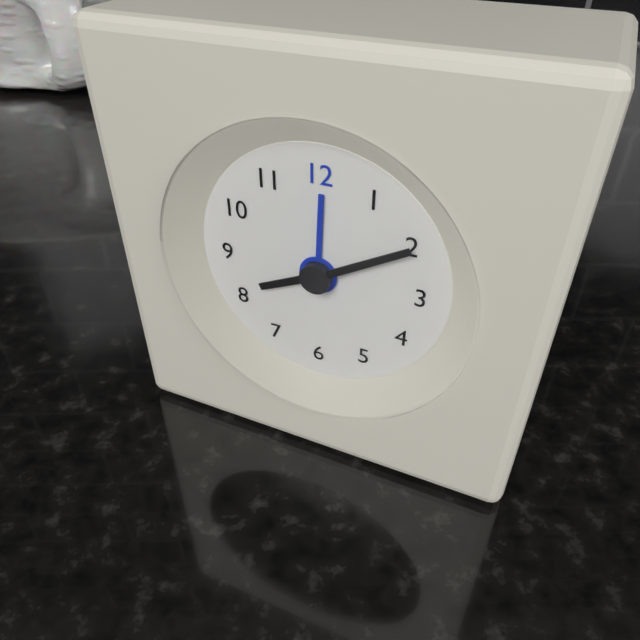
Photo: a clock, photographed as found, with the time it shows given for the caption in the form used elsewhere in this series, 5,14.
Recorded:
8,10
